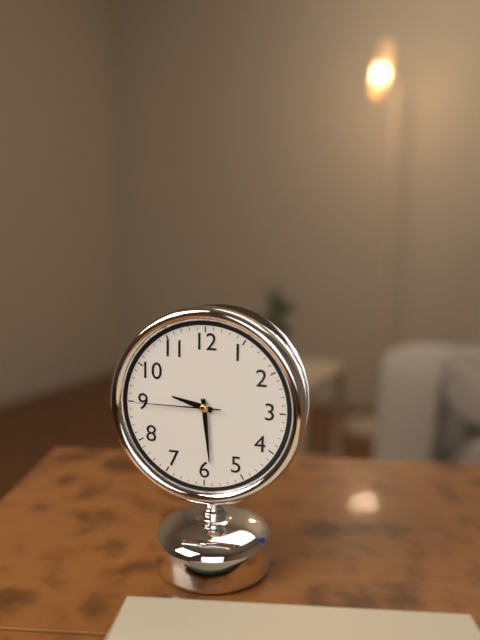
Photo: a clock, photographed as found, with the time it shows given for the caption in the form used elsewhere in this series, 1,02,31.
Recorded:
9,29,45
